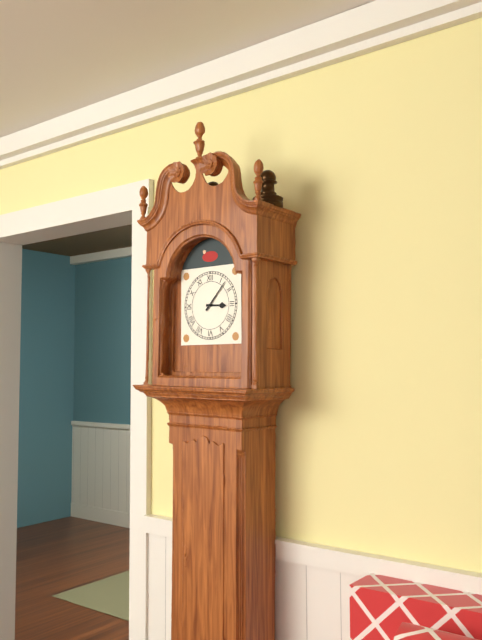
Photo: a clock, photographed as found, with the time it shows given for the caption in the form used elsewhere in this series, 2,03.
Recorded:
3,07
